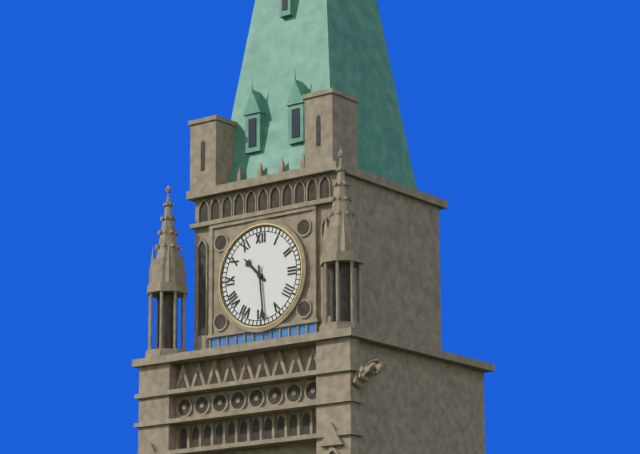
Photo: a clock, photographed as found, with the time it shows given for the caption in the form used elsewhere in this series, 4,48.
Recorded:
10,29
